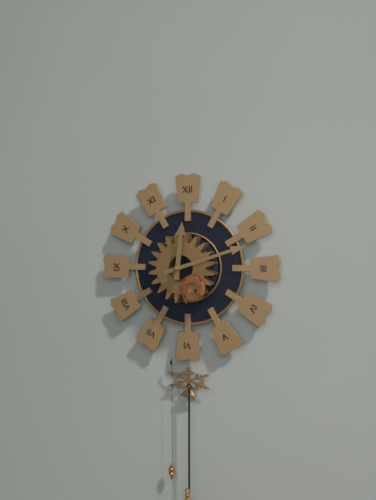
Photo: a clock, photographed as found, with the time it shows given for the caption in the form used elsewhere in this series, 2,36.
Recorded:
12,12
